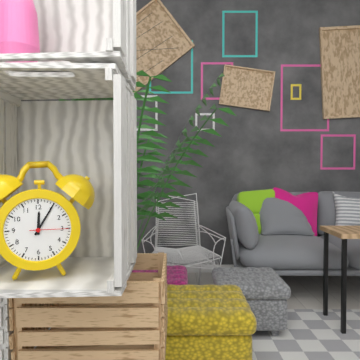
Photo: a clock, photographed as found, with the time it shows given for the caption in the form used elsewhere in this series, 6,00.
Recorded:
12,05
